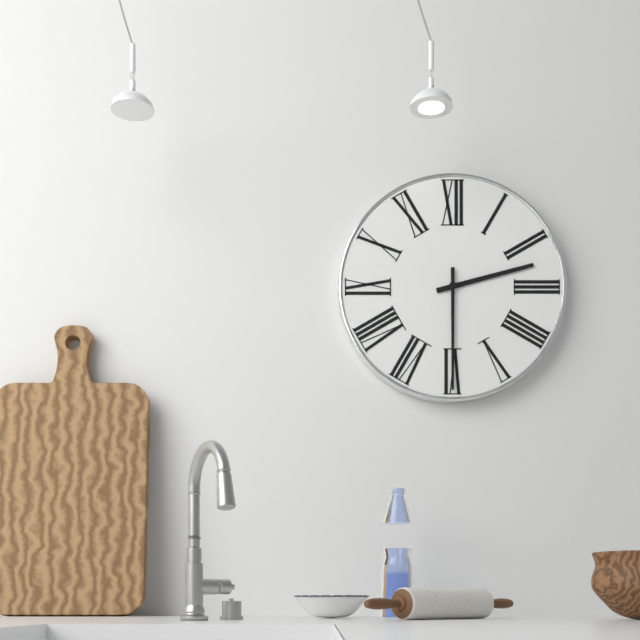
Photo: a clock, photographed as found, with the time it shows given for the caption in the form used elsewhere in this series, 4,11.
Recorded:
2,30
